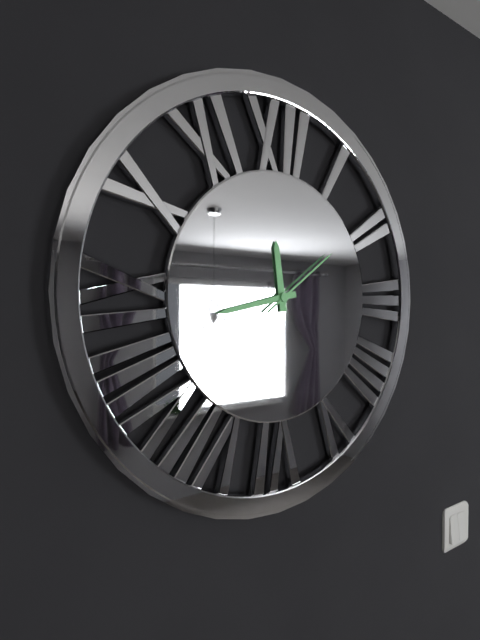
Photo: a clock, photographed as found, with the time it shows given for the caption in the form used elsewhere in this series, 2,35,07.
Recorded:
11,43,09
